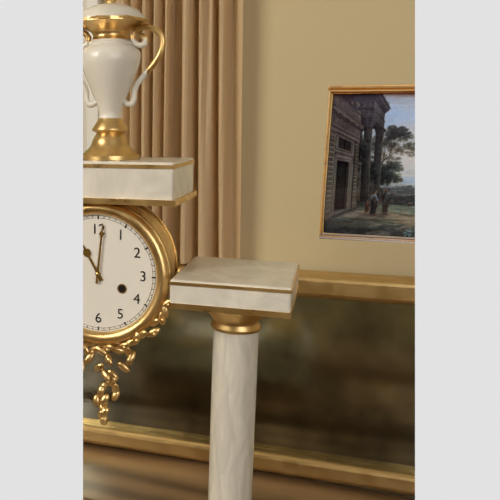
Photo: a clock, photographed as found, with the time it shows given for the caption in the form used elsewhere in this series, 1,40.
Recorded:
11,01
